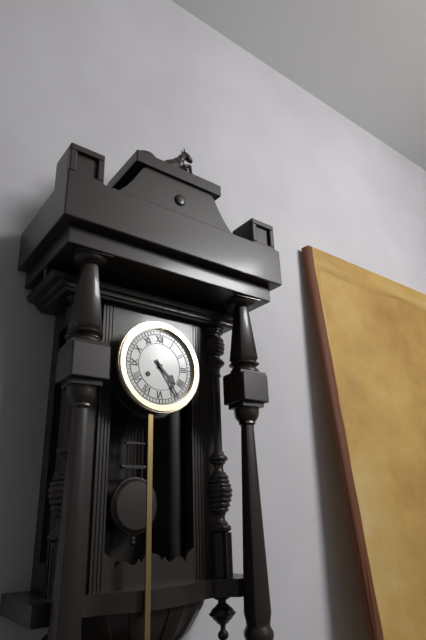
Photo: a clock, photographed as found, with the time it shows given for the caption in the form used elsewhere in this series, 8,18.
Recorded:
4,24
